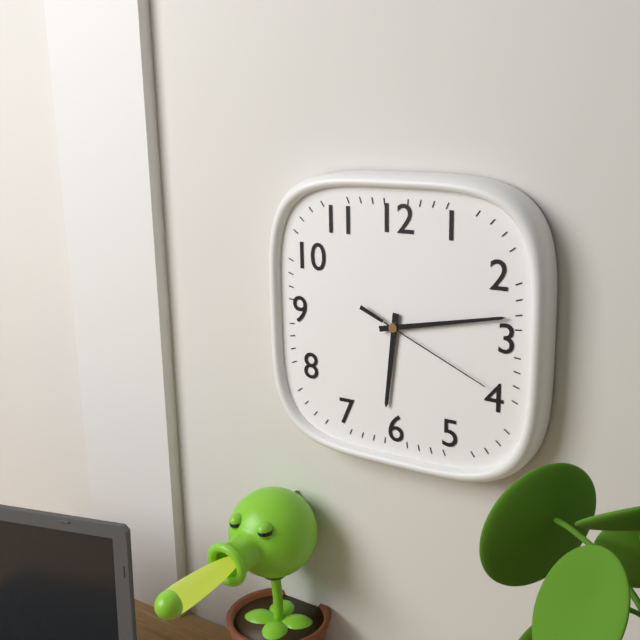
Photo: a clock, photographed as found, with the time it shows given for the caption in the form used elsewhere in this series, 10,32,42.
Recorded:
6,13,19
